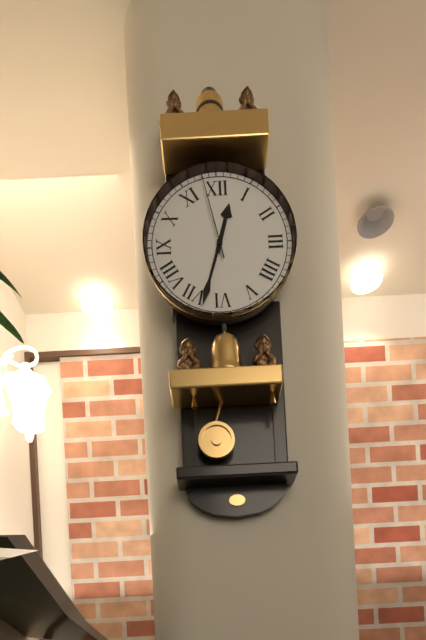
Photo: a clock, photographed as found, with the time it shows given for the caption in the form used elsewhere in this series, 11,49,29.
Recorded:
12,33,58
